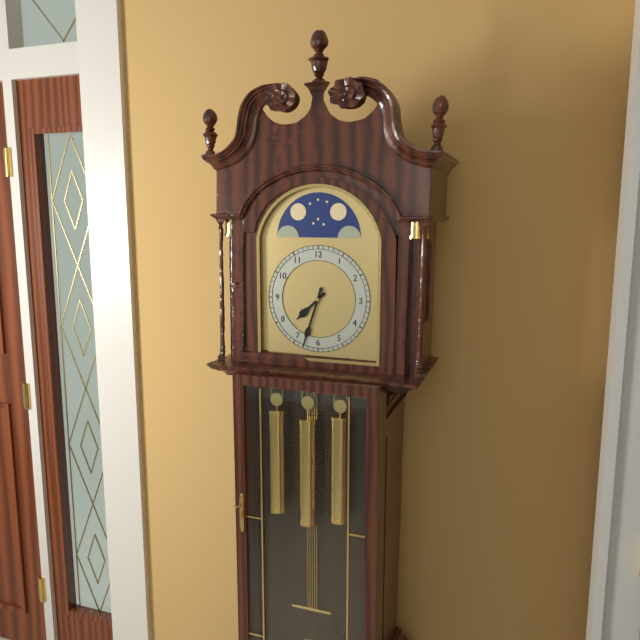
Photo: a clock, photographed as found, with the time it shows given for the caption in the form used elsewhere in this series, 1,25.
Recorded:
7,33
